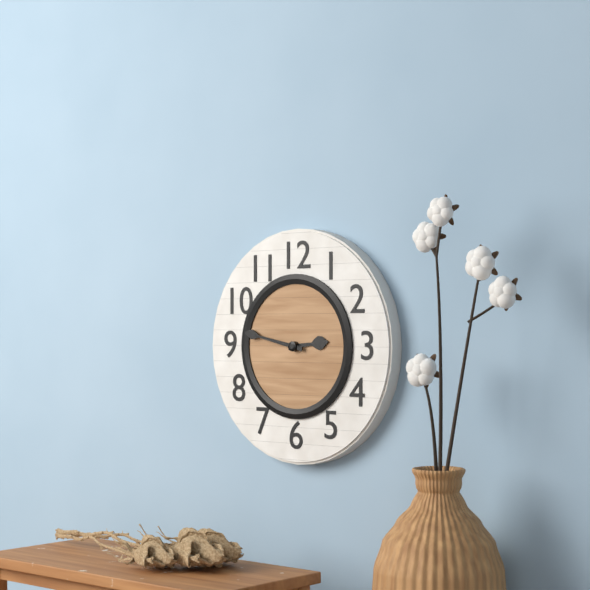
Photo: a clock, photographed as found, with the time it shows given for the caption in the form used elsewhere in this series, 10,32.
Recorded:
2,47
